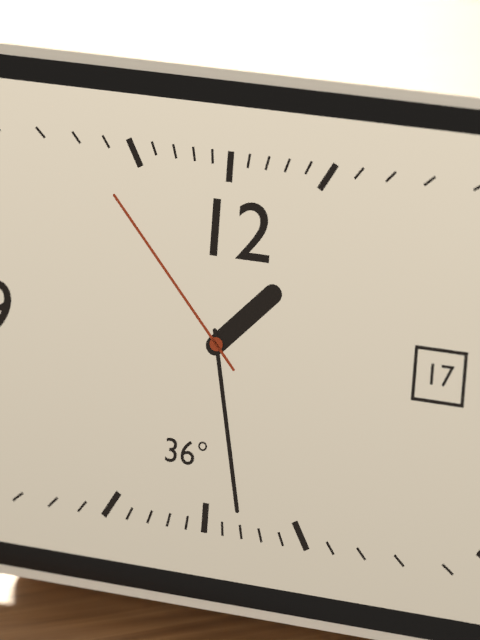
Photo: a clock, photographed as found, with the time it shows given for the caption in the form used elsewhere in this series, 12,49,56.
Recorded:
1,28,53
